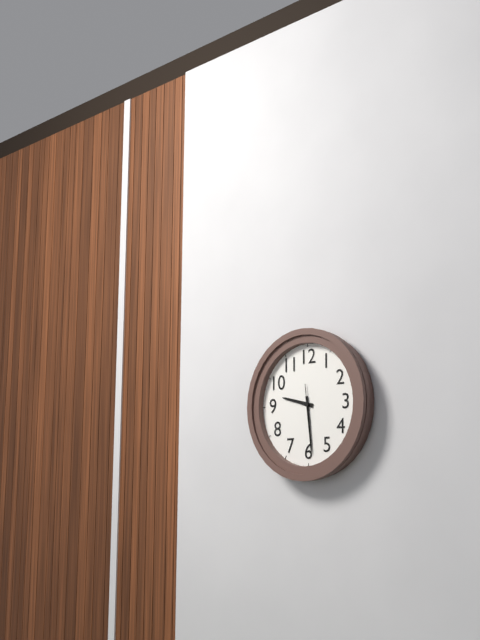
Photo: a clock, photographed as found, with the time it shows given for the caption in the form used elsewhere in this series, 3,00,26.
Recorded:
9,29,29
